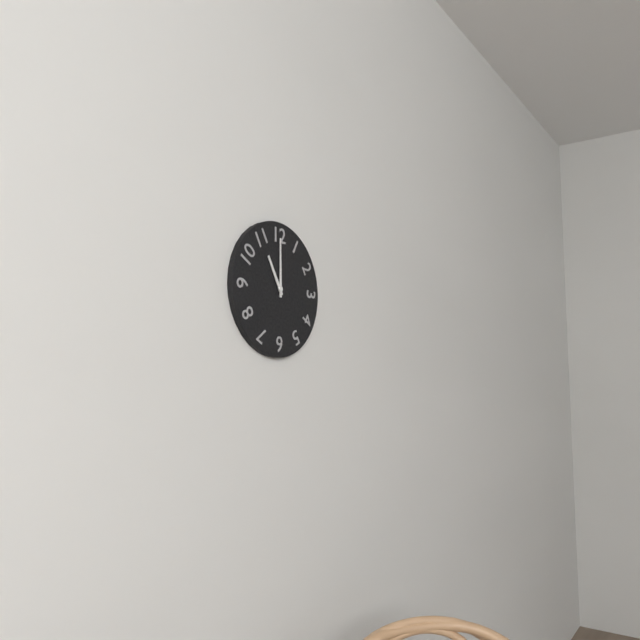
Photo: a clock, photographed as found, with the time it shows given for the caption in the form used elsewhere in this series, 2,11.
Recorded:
11,00
